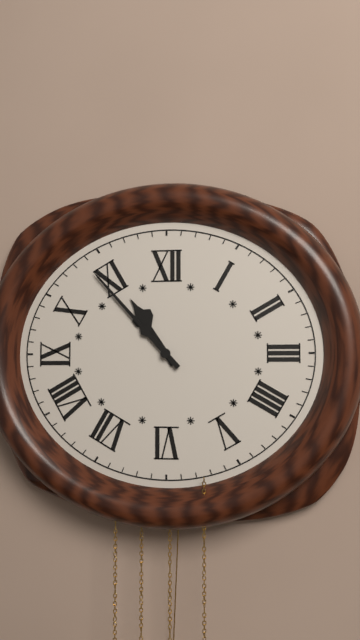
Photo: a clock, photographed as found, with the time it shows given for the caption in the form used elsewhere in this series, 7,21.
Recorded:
10,53
